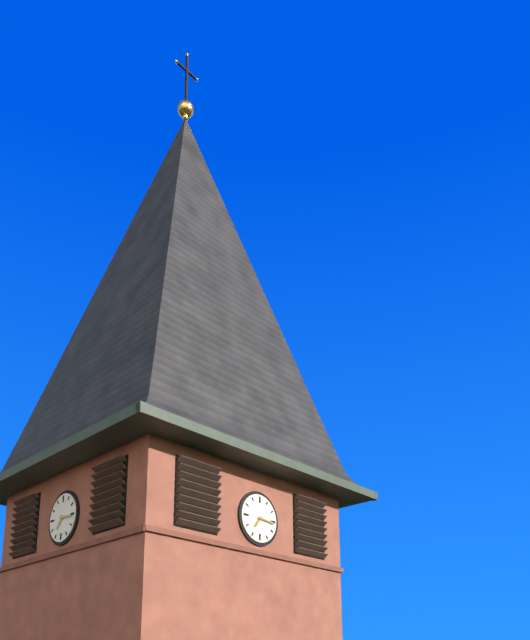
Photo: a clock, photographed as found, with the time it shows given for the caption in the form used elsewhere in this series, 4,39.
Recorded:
7,16
